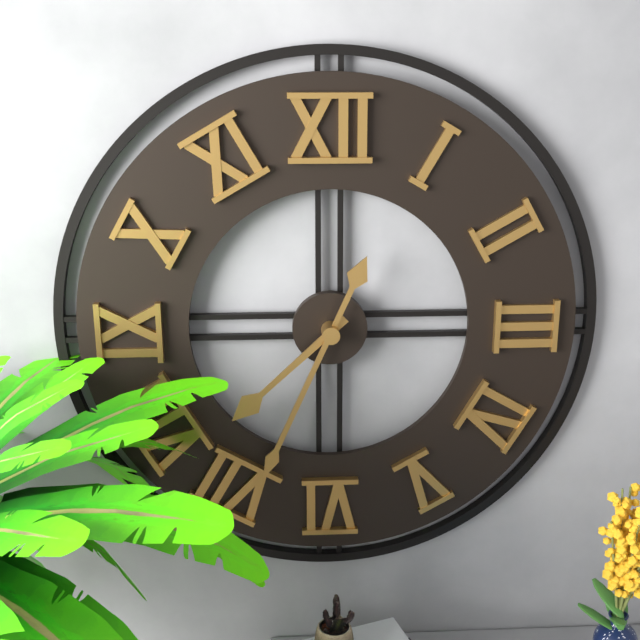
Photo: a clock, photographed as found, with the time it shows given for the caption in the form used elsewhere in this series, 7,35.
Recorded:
7,34
